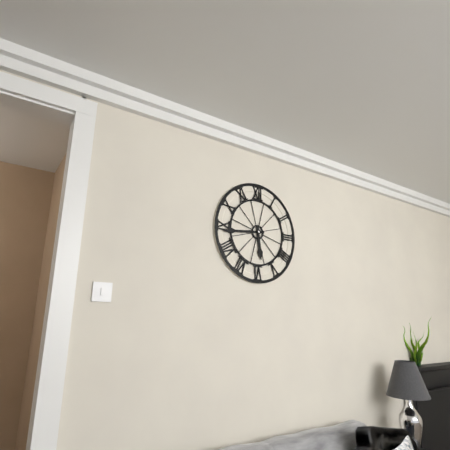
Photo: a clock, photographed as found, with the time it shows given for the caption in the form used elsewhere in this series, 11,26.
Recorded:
5,44
